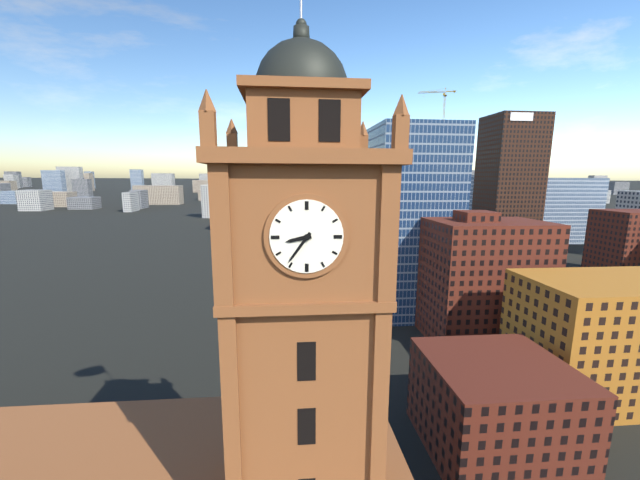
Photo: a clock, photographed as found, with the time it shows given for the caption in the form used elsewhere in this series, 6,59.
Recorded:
8,36
